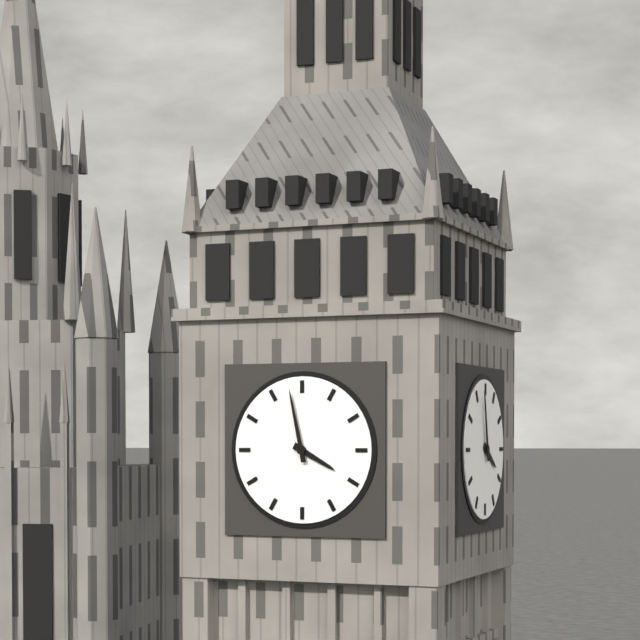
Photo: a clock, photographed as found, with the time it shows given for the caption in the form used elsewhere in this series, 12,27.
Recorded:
3,58
